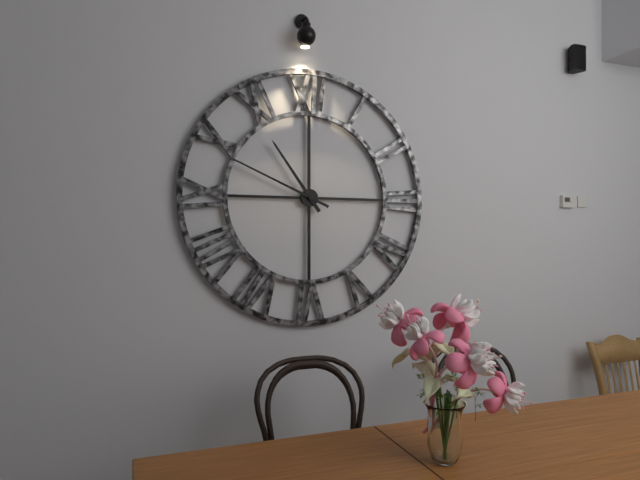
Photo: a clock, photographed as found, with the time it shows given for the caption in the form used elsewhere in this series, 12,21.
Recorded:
10,49
